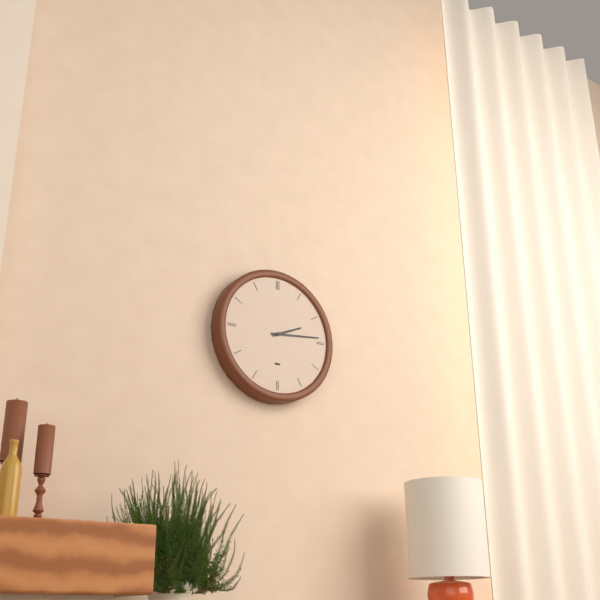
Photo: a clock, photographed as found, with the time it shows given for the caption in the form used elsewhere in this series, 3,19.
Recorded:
2,14
